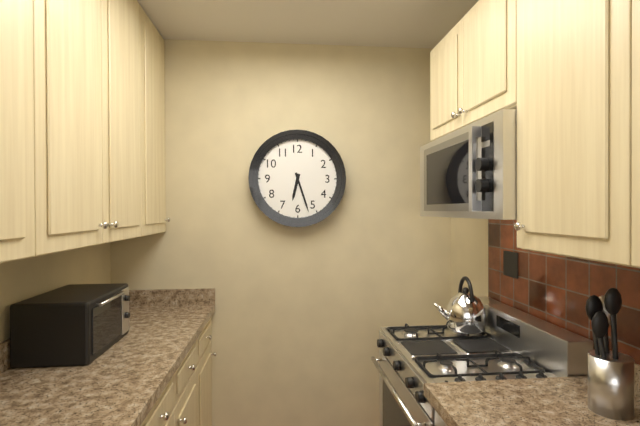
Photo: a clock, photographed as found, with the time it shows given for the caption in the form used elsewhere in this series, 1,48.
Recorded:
6,27
